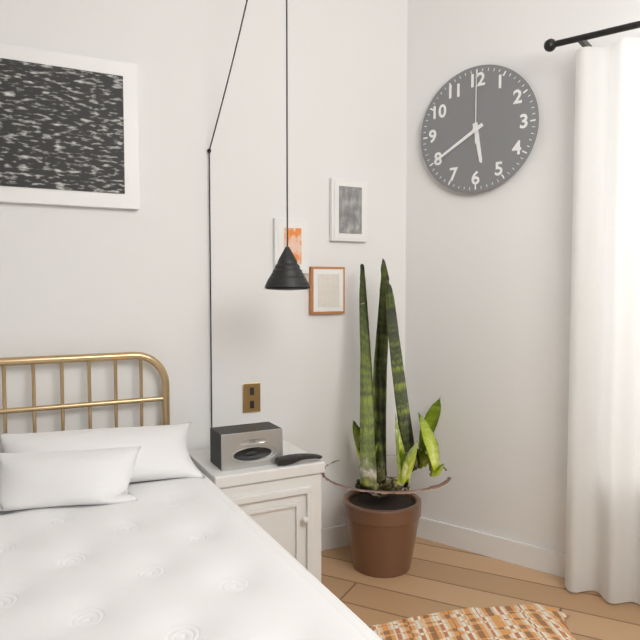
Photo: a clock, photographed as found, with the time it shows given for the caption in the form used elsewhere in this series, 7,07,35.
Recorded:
5,40,00
